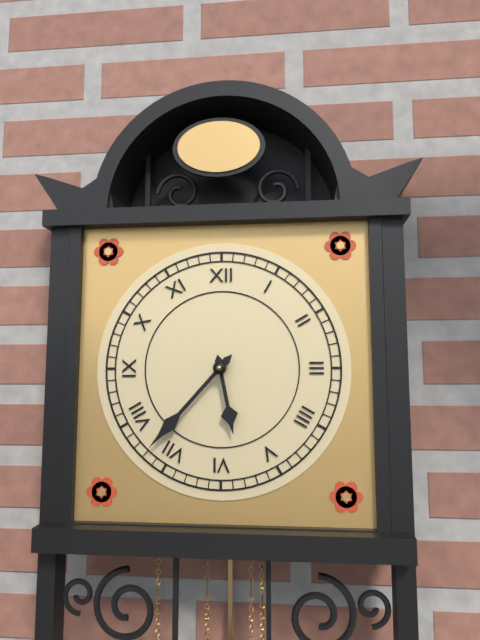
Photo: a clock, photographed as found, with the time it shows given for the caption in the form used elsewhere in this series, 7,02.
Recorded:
5,37
